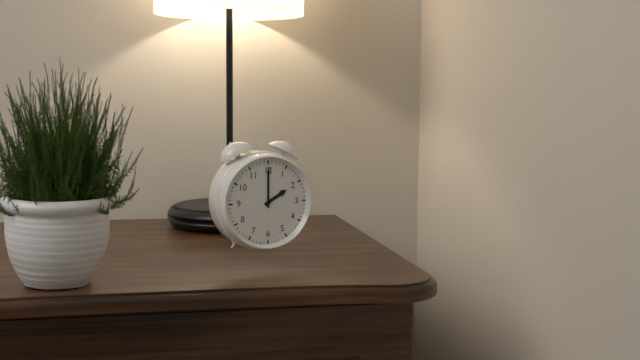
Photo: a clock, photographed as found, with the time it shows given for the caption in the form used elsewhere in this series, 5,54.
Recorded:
2,00
